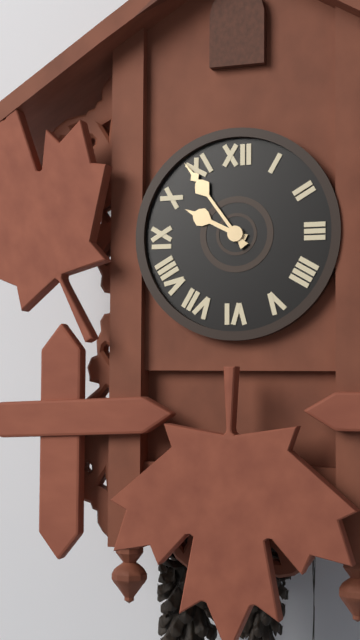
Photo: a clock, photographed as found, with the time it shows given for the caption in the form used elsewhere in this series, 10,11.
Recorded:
9,54
